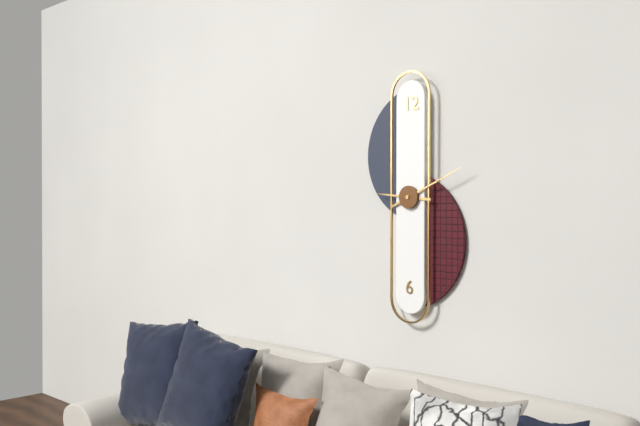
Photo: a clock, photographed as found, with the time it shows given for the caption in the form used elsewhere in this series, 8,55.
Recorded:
9,11
